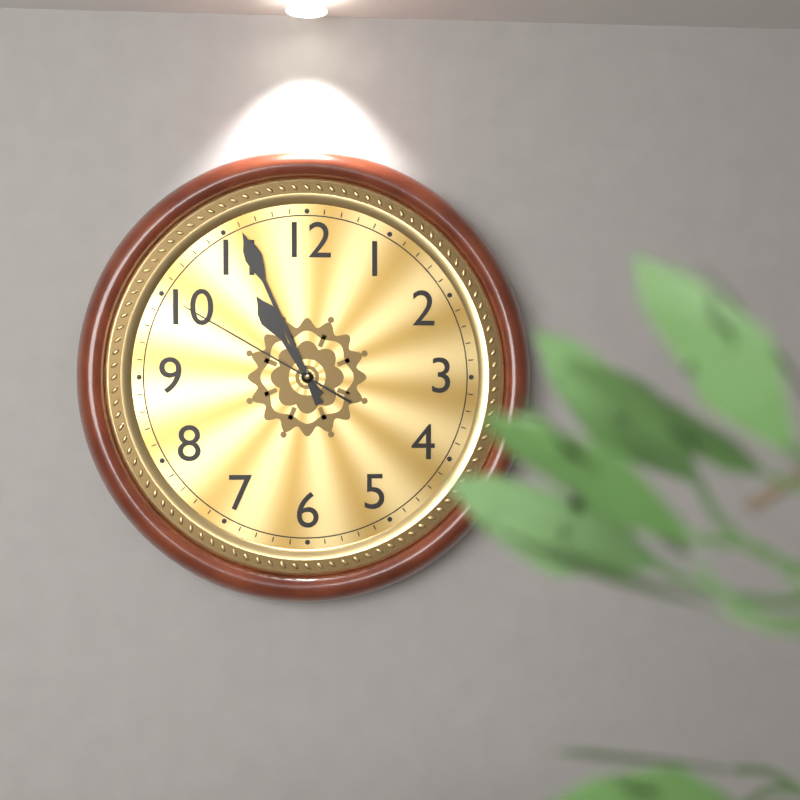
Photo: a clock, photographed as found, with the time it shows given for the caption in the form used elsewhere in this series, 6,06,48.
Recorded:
10,56,50
